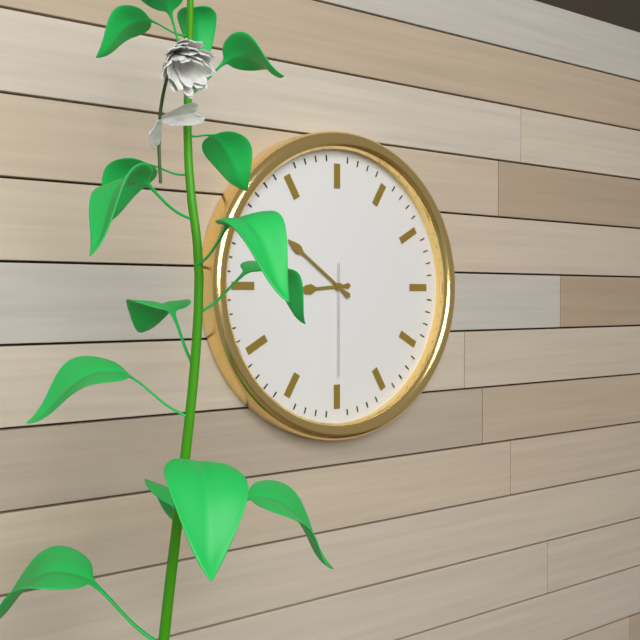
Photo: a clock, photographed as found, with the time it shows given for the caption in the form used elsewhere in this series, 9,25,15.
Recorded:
8,51,30
